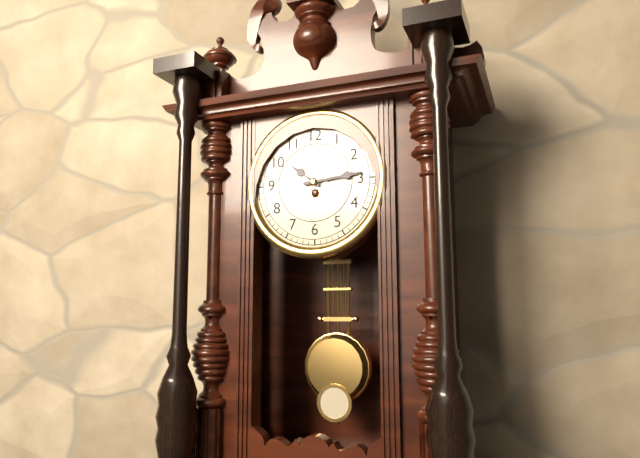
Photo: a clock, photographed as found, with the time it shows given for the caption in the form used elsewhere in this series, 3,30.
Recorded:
10,14
